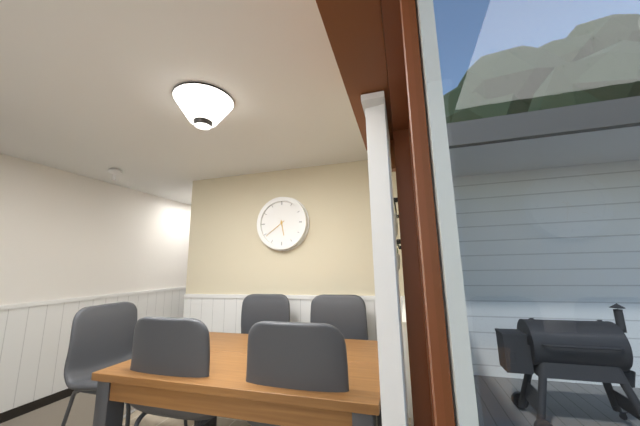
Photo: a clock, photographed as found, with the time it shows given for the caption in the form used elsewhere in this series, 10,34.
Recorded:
5,39
